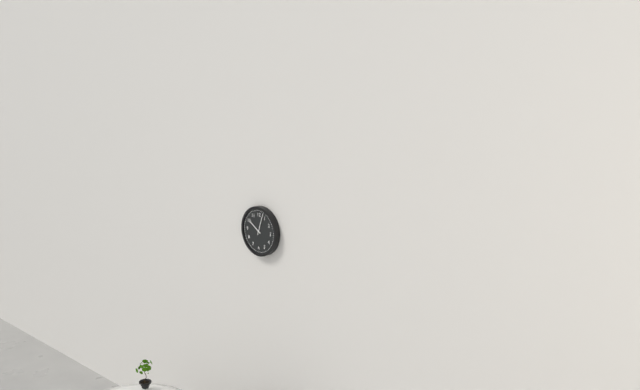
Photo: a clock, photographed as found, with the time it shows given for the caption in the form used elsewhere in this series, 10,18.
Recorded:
10,03
